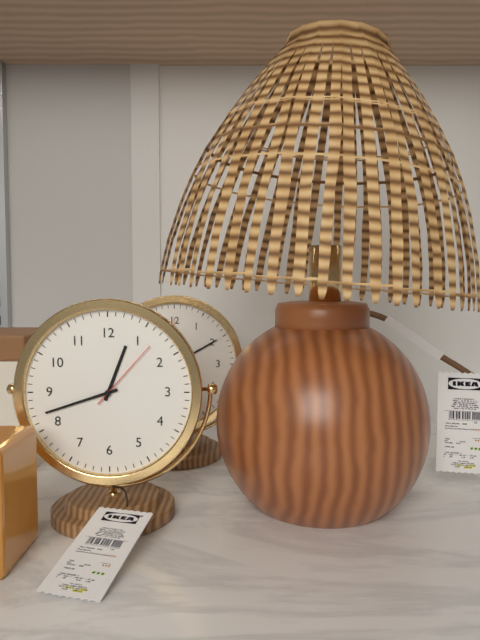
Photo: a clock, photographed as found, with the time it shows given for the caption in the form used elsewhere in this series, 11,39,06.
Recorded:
12,42,07
